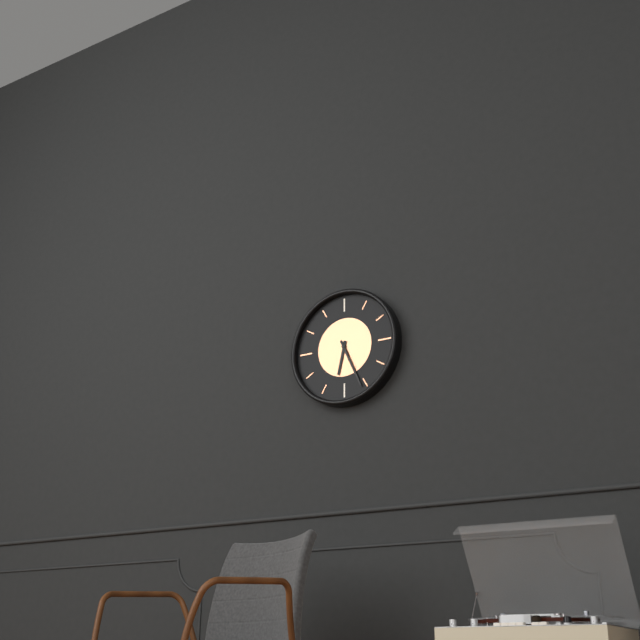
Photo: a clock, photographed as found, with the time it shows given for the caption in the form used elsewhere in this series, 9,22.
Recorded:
6,26
